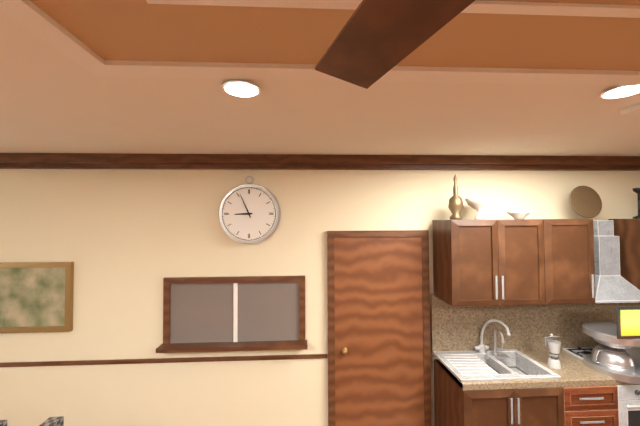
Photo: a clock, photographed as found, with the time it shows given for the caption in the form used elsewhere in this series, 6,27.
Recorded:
8,56
